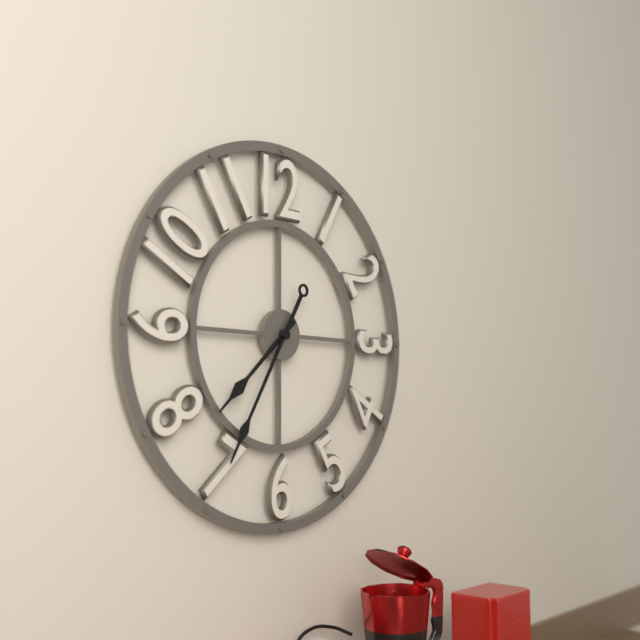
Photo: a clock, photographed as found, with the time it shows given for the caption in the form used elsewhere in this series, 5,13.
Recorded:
7,35
